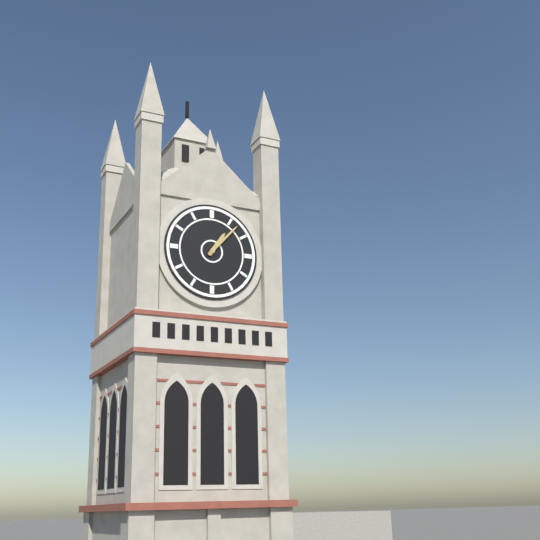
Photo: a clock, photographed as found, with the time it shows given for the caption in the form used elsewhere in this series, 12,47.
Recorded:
1,07
